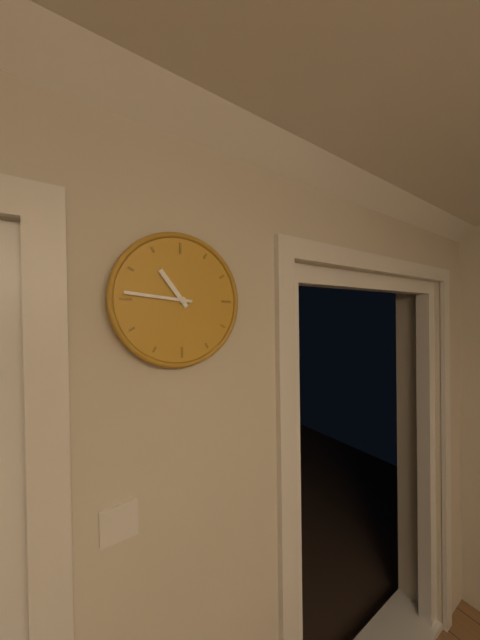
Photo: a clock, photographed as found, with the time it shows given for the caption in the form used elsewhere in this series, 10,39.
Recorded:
10,46
